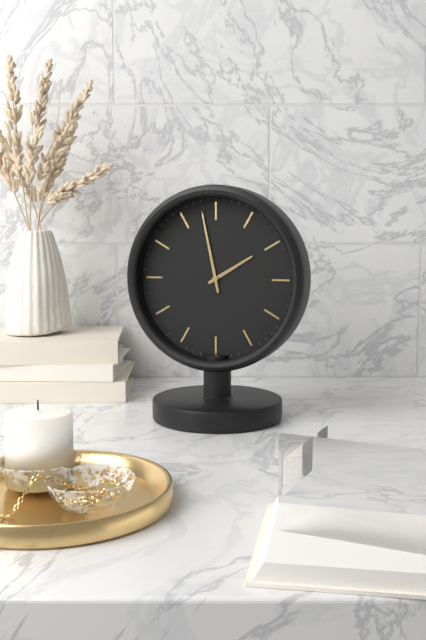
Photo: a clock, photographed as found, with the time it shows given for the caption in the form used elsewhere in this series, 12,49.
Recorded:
1,58
